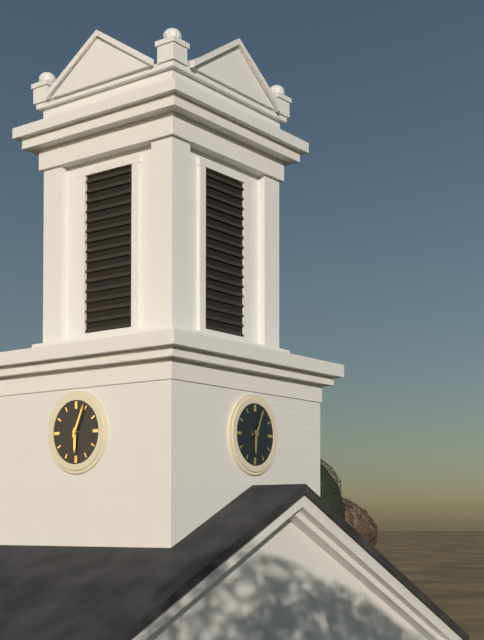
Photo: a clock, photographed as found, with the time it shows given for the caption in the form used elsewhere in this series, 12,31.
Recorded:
6,04
